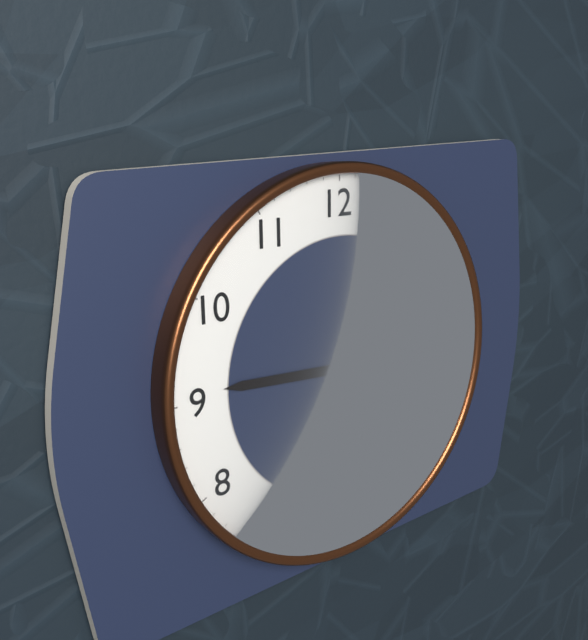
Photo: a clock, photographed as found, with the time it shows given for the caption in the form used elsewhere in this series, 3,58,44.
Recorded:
9,06,32
